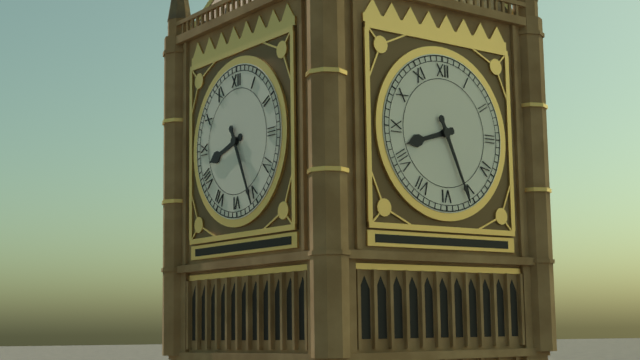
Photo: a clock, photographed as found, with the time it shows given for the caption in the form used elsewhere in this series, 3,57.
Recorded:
8,26
